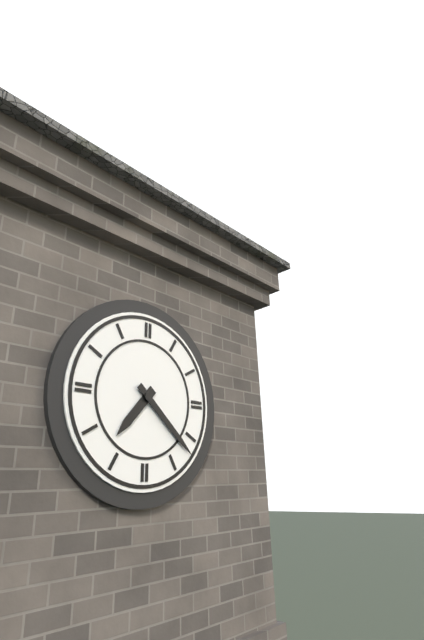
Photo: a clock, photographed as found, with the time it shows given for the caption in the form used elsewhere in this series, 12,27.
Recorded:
7,22
